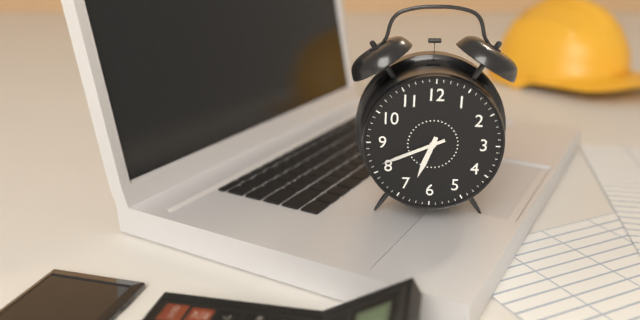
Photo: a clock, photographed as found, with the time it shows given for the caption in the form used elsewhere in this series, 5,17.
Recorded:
6,41
